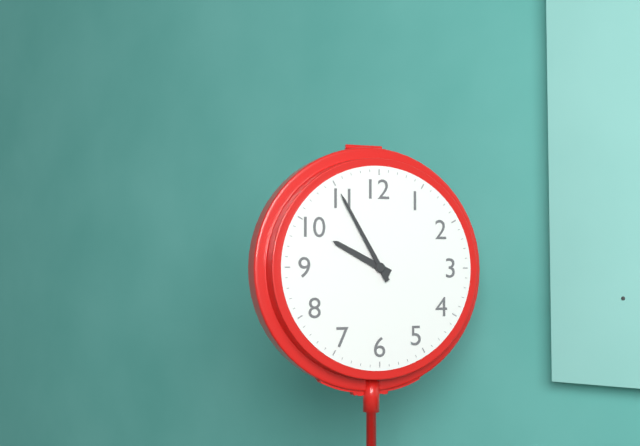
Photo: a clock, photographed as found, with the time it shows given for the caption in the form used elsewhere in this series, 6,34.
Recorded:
9,55
